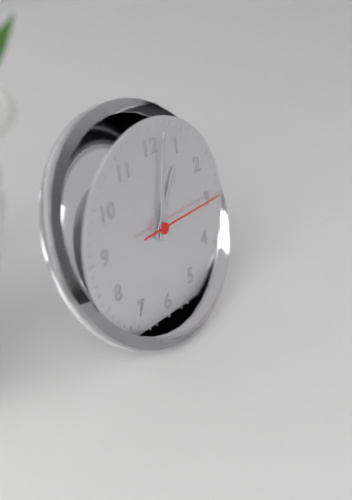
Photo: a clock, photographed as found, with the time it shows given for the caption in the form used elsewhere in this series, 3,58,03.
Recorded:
1,02,15
